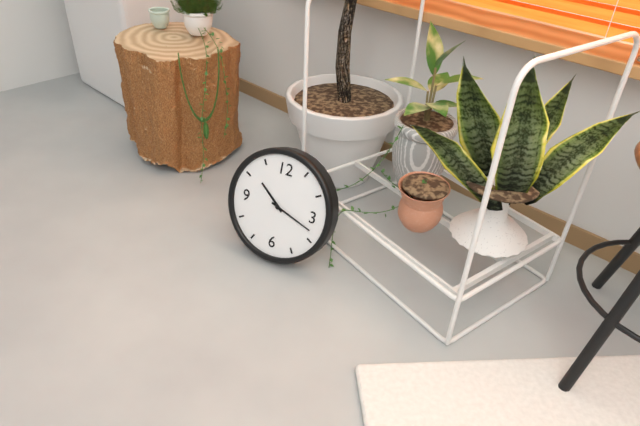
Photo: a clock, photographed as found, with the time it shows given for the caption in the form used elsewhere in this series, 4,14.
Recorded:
10,18
